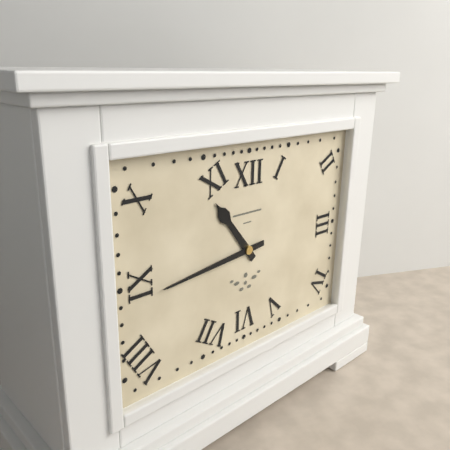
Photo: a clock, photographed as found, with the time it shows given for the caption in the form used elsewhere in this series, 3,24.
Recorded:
10,44
